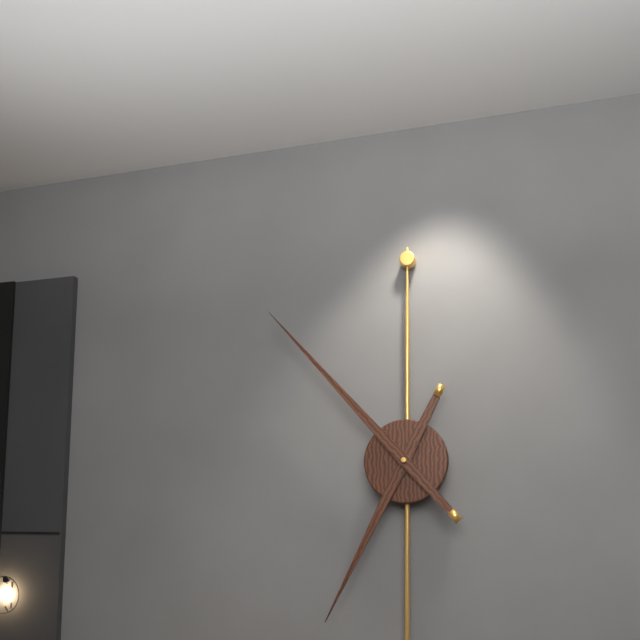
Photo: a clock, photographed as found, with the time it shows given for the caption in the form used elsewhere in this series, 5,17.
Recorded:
6,53
